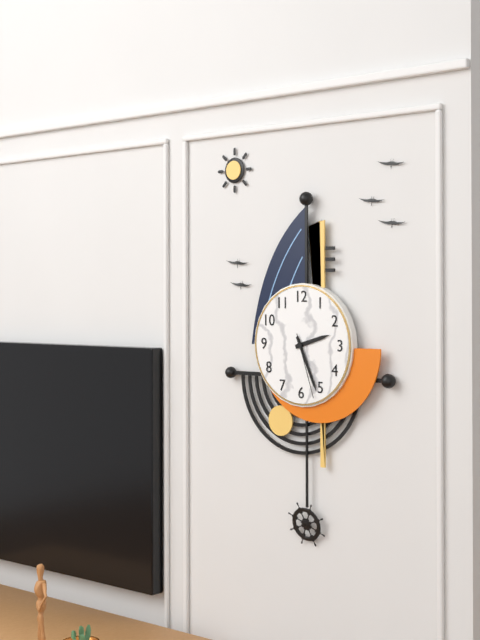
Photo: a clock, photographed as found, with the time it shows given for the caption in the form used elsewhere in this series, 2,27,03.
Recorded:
2,26,27
